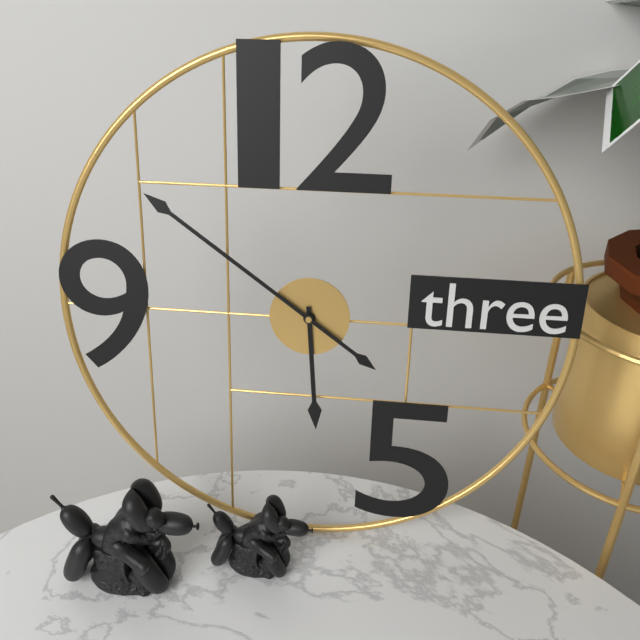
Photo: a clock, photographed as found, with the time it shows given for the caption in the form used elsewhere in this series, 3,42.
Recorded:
5,51
